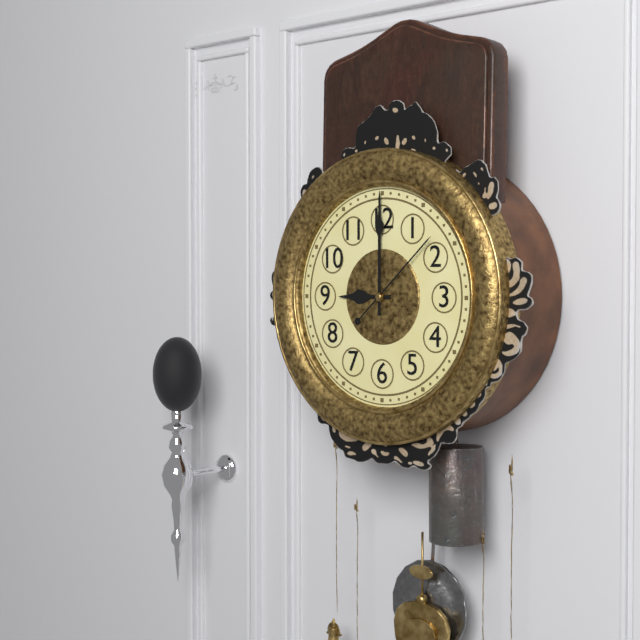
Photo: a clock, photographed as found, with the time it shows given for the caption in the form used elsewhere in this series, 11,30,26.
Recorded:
9,00,08
